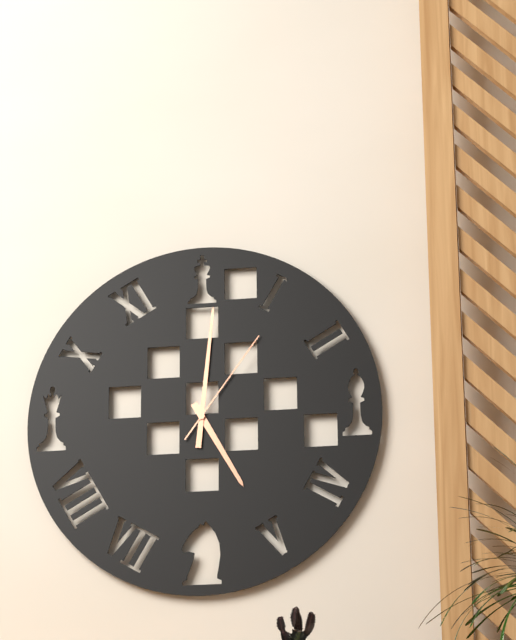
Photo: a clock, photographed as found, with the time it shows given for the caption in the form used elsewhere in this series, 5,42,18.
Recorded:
5,01,06
